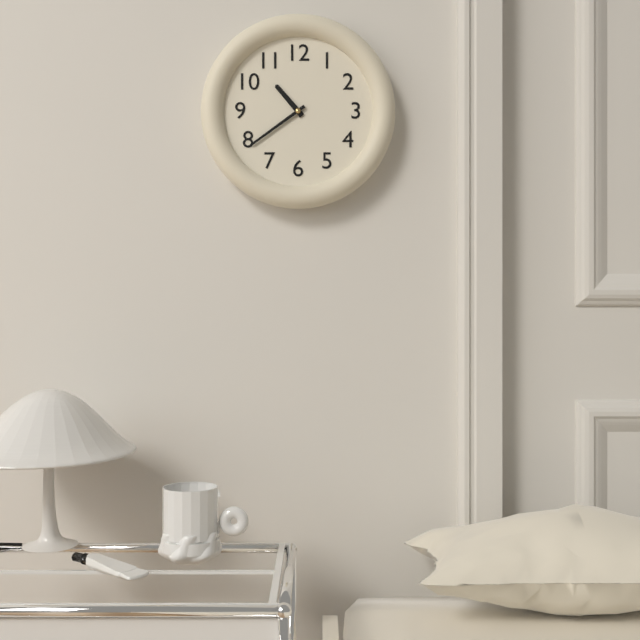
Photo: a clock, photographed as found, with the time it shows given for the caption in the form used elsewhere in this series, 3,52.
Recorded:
10,39
